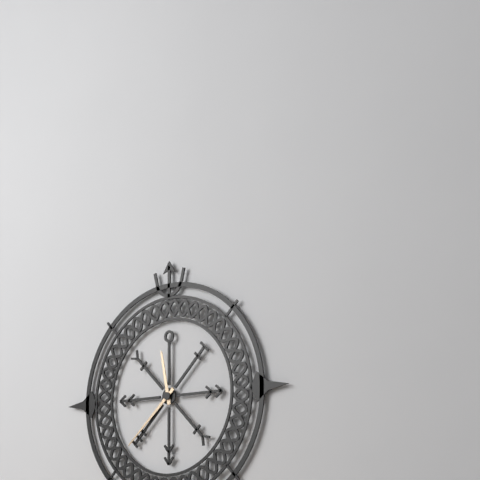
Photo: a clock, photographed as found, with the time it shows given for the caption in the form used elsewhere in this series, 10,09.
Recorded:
11,38
